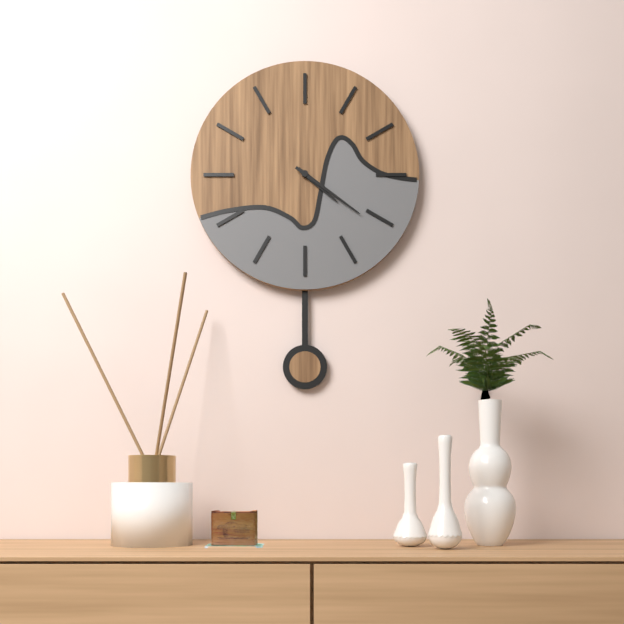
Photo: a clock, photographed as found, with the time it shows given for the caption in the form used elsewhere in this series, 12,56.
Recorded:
4,21
